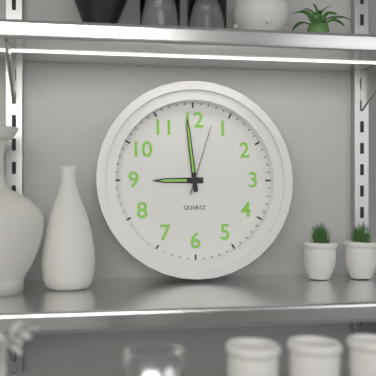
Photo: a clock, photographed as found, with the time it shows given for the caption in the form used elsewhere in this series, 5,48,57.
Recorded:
8,59,03
